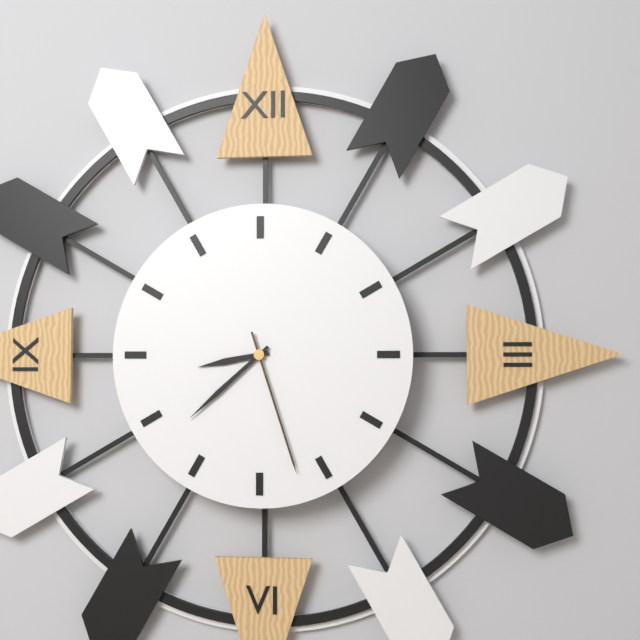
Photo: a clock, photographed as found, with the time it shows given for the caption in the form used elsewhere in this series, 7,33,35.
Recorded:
8,38,27
